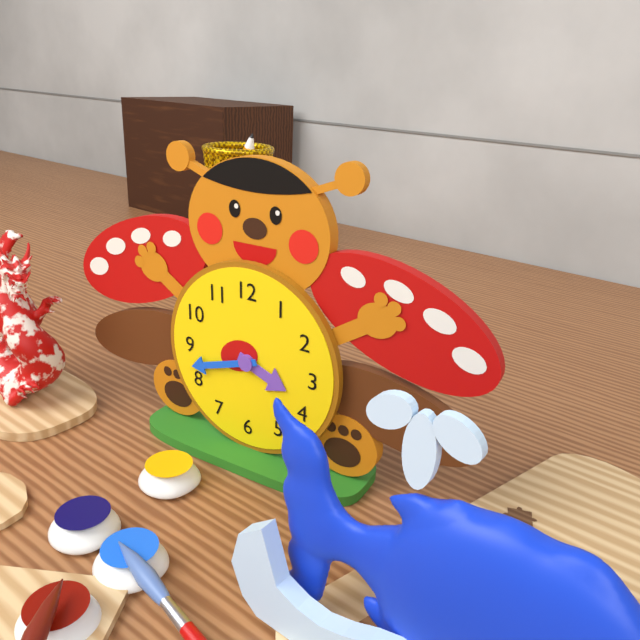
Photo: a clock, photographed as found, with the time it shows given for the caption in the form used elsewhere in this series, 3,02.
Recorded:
3,42
